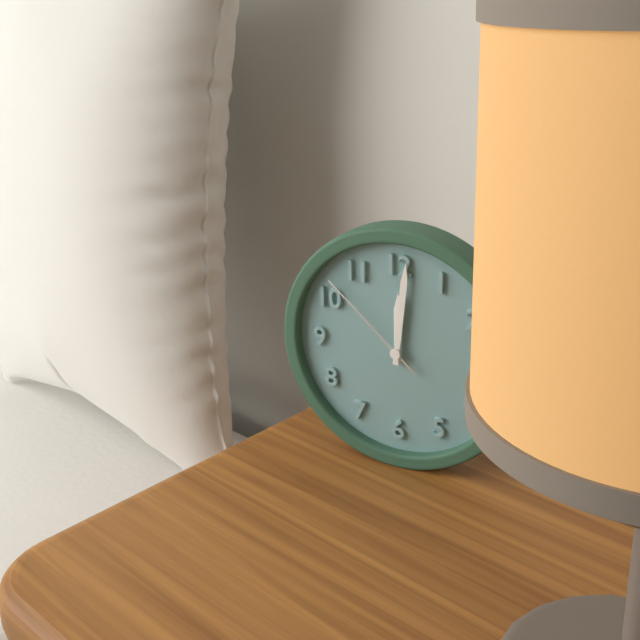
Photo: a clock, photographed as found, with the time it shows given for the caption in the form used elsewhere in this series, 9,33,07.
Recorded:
12,01,52
